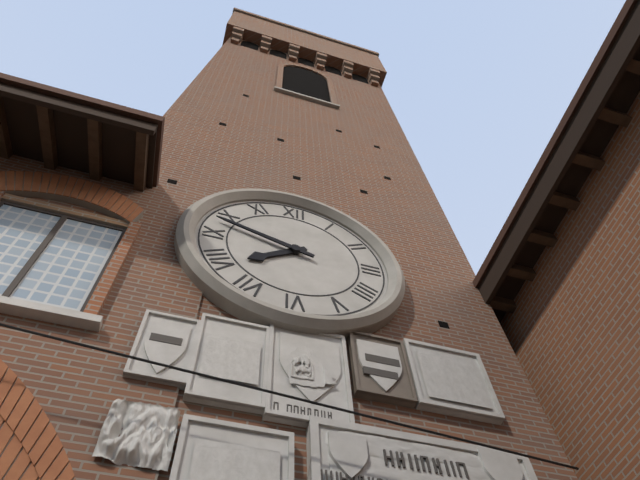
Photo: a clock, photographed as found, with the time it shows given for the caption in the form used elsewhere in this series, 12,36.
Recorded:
7,48
